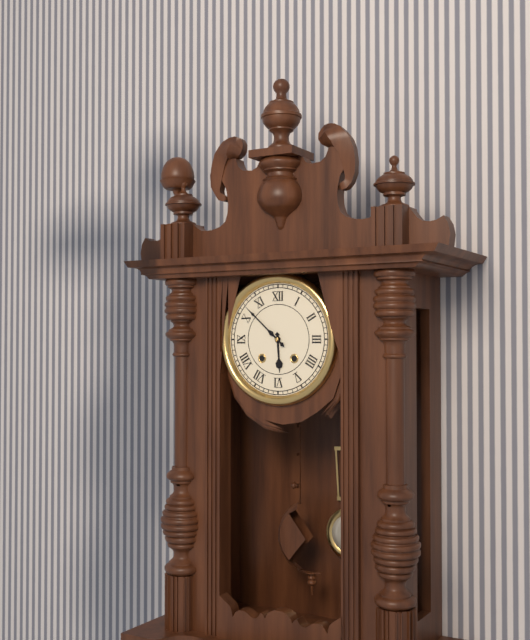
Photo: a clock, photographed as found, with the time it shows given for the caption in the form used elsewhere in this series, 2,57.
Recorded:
5,52
